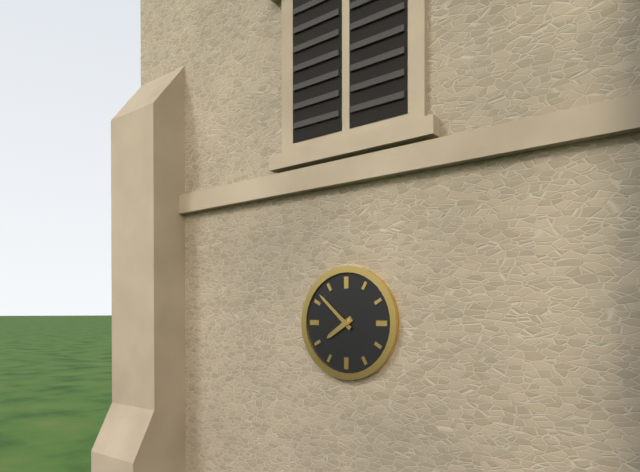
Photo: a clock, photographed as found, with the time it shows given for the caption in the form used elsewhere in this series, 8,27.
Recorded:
7,52
